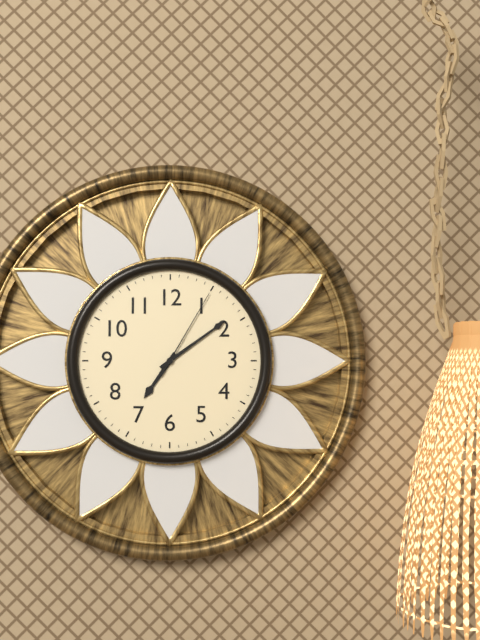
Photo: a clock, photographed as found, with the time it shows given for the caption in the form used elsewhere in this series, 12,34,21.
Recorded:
7,09,05
